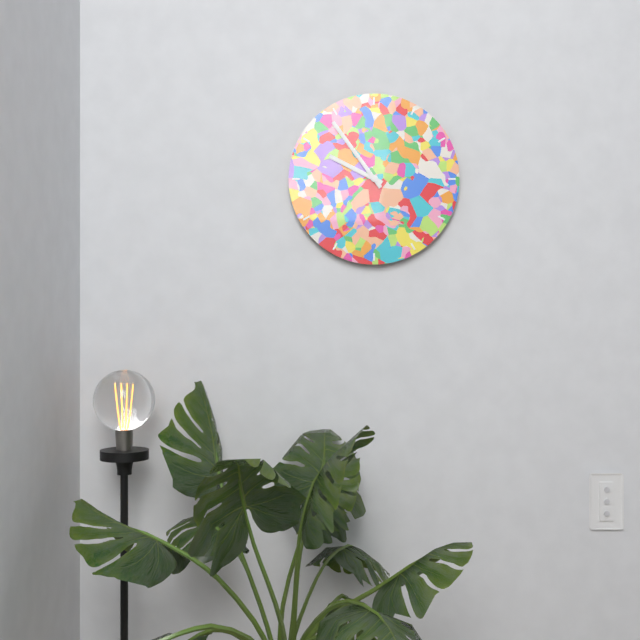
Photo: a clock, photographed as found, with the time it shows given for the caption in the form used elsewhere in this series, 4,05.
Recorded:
9,54
